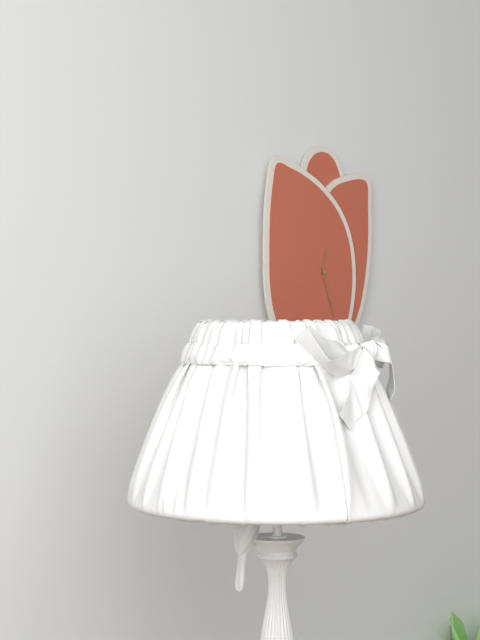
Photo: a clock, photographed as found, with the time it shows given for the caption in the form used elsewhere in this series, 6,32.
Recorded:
12,27
